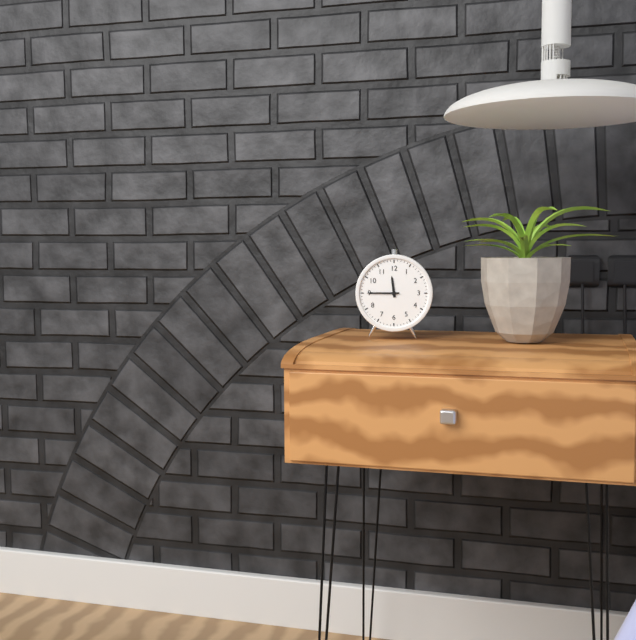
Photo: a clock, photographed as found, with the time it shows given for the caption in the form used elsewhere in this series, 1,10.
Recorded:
11,45
